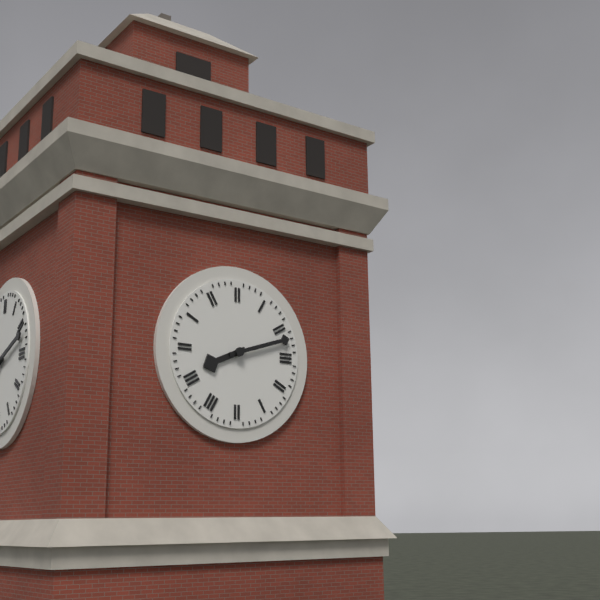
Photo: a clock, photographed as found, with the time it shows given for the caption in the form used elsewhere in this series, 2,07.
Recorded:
8,12
